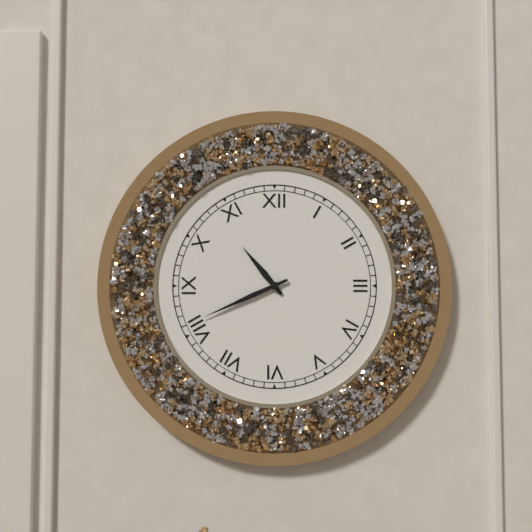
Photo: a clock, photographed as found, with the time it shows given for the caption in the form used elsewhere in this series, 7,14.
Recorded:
10,41
